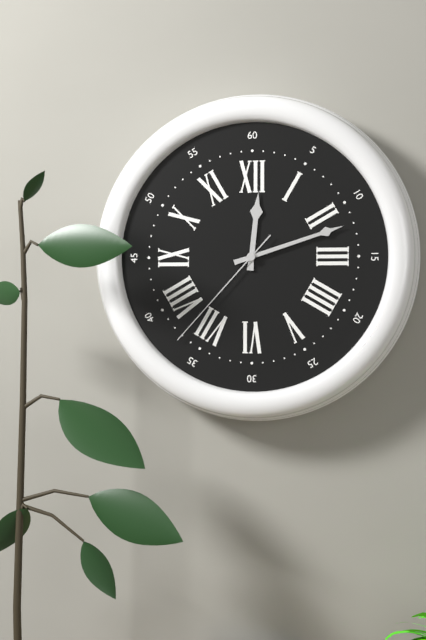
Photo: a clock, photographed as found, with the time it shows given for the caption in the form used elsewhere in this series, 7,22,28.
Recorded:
12,12,37
